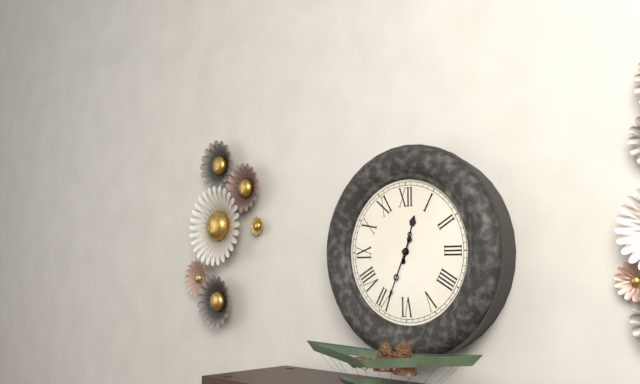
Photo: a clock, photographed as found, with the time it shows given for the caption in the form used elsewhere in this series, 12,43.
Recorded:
12,34
